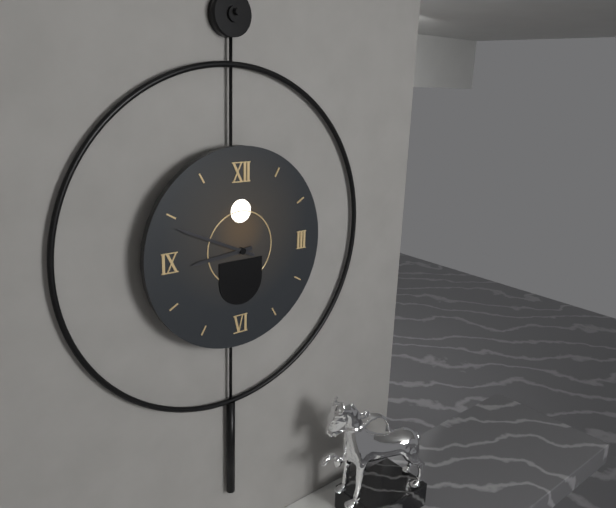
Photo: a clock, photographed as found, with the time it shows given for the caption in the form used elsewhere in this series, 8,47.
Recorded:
8,49
